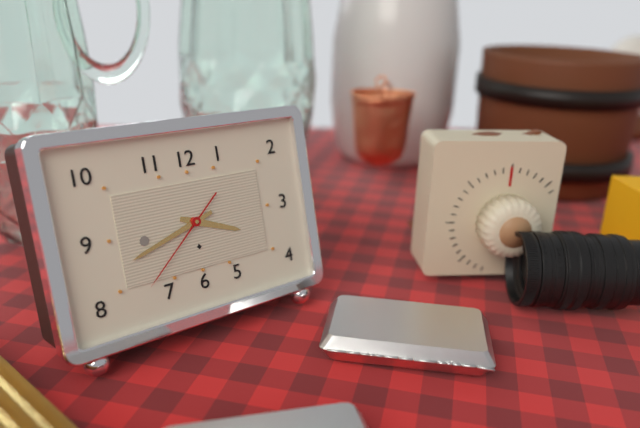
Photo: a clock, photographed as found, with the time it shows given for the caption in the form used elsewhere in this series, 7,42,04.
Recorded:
3,42,38
